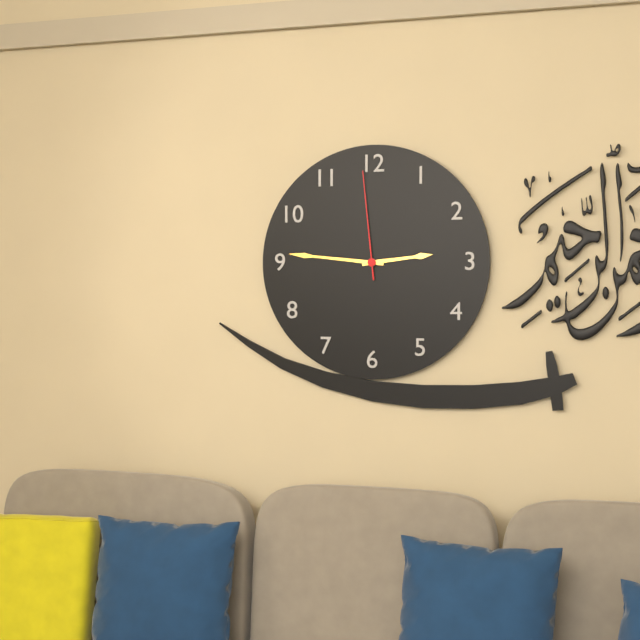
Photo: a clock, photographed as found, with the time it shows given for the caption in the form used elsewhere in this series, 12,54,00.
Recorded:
2,46,59
